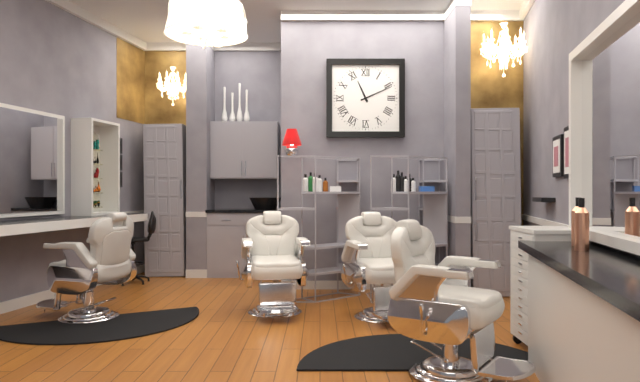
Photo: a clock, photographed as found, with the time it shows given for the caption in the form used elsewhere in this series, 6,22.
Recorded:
11,11
